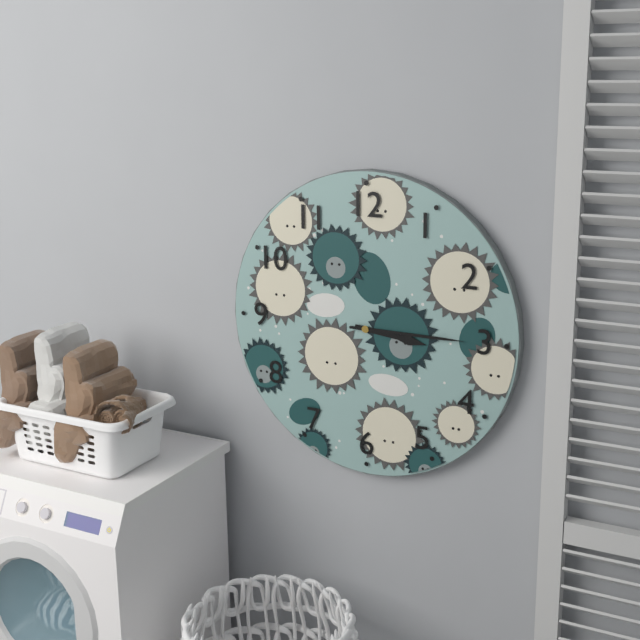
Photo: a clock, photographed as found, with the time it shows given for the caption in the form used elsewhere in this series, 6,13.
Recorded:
3,15
